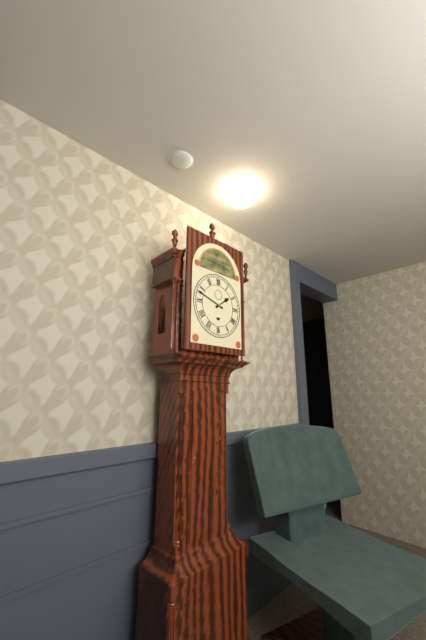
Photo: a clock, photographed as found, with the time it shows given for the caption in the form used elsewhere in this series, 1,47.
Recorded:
1,48
